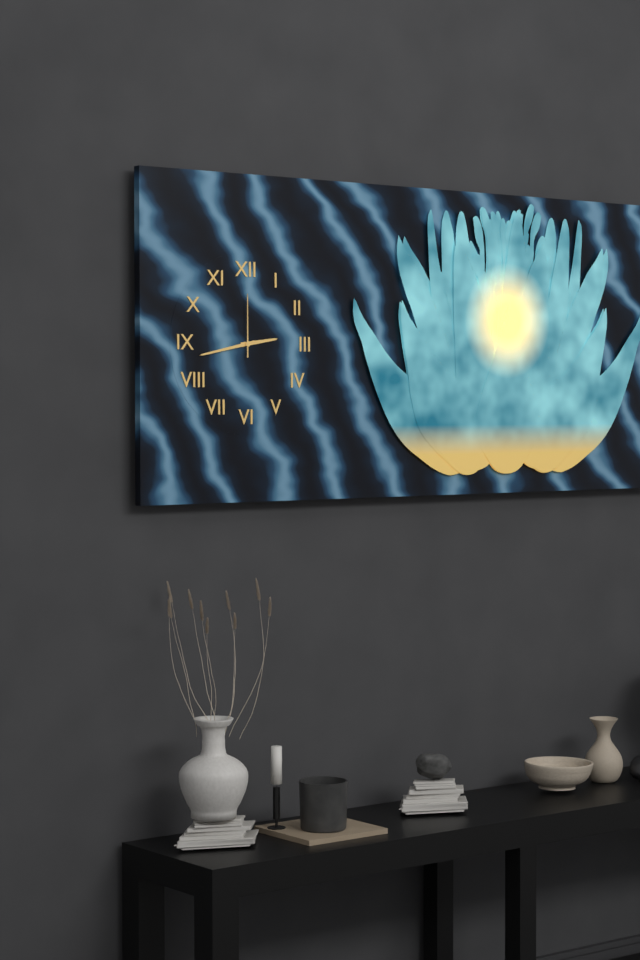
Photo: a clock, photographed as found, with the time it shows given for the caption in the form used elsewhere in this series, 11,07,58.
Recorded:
2,43,00
